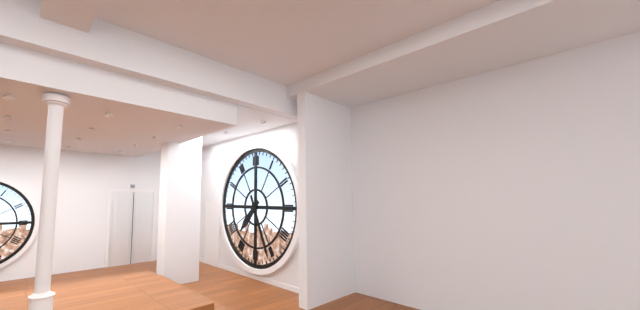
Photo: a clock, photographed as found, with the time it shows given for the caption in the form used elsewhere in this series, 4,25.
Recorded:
7,26
